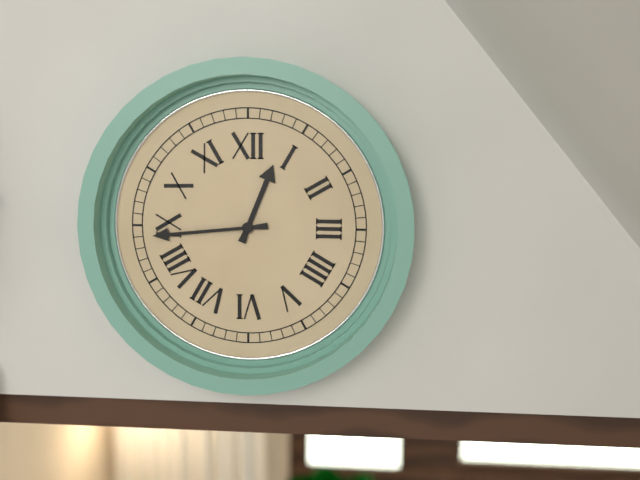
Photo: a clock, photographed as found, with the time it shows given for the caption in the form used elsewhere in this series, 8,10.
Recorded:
12,44
